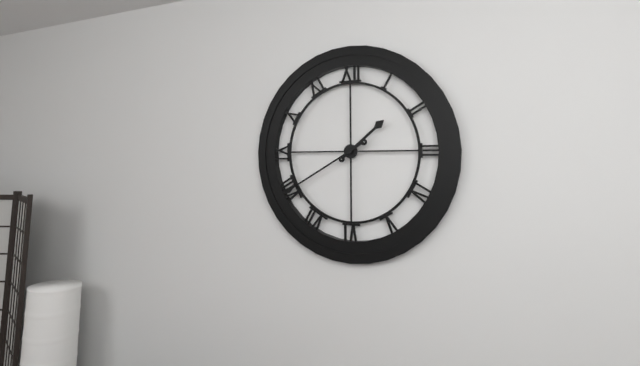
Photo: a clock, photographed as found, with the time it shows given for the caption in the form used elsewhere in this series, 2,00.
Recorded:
1,40
